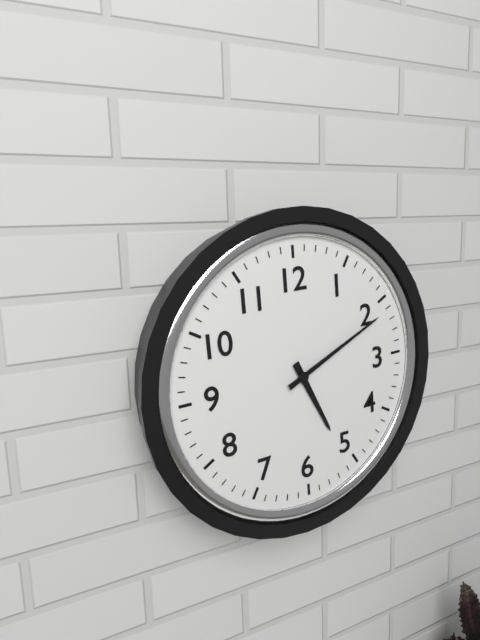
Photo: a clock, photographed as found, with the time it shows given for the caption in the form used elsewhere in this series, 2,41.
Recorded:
5,11
